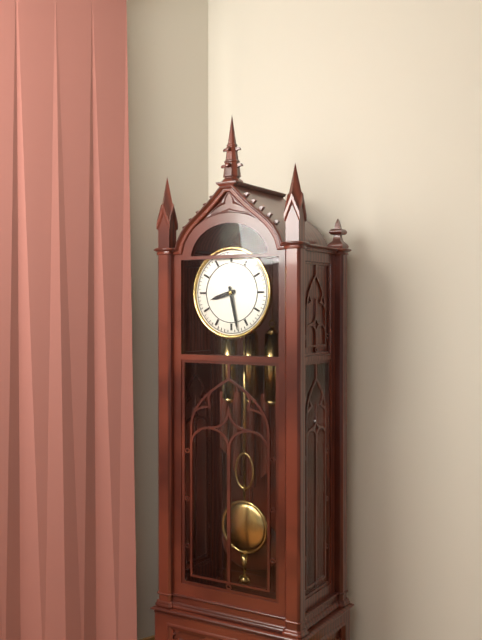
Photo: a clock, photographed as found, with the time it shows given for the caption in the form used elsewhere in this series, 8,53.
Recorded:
8,28
